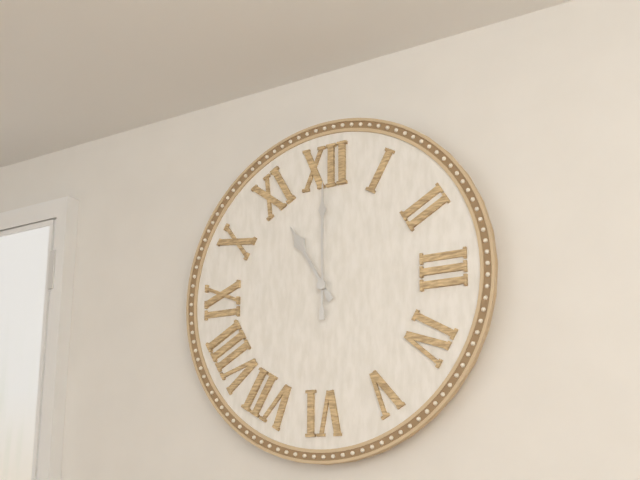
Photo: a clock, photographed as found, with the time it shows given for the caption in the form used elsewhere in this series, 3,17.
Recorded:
11,00
